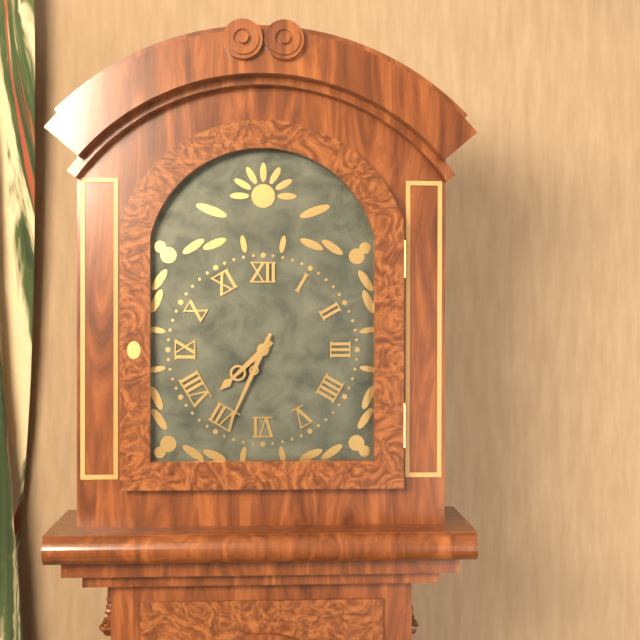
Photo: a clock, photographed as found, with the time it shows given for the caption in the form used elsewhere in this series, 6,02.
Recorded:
7,34
